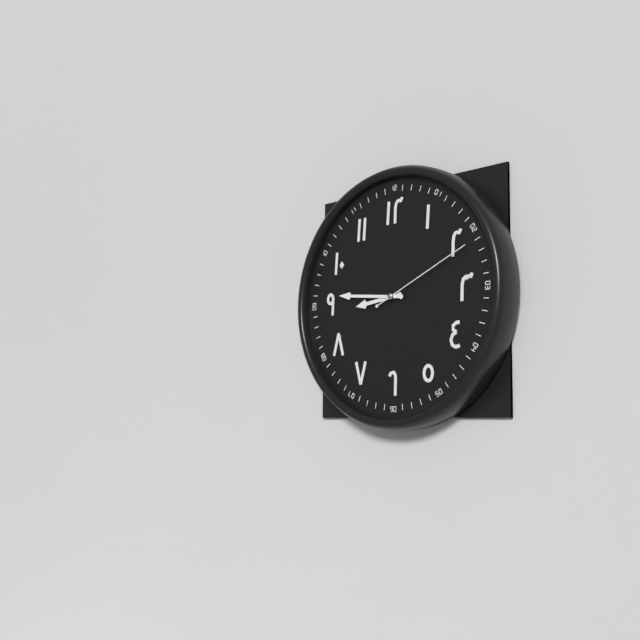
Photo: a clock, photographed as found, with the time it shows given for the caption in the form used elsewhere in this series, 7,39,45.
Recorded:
8,46,11
